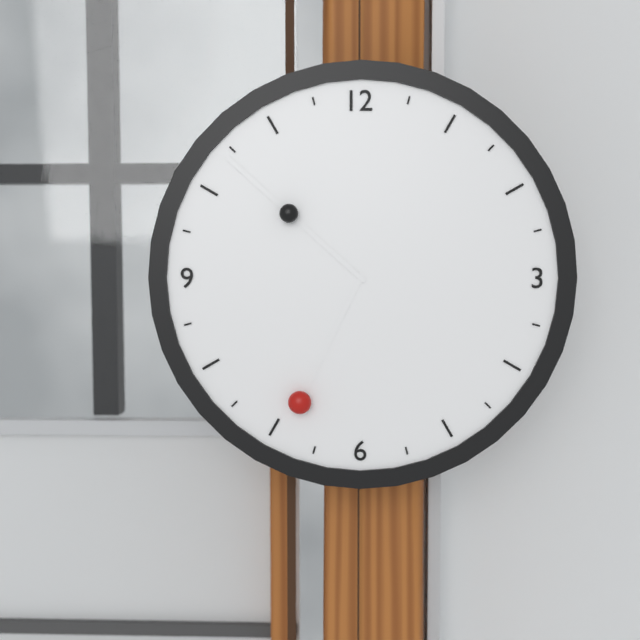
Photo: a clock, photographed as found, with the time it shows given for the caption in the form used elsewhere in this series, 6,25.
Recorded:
6,52
